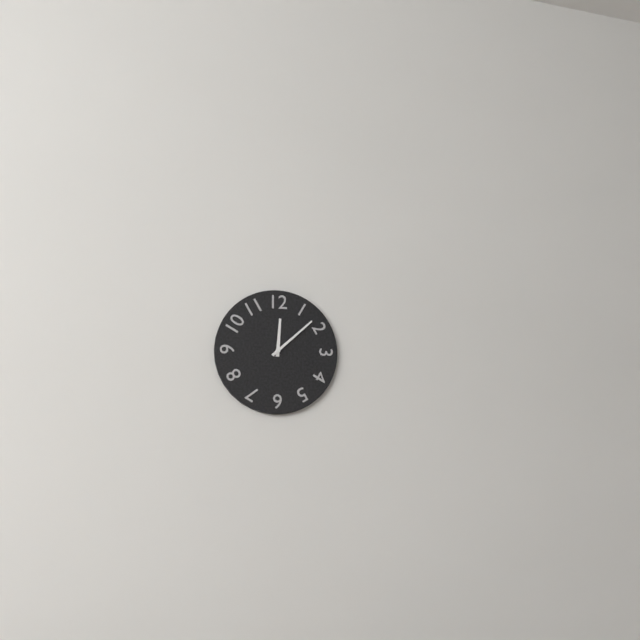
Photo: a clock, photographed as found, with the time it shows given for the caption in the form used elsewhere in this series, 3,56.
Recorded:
12,08
